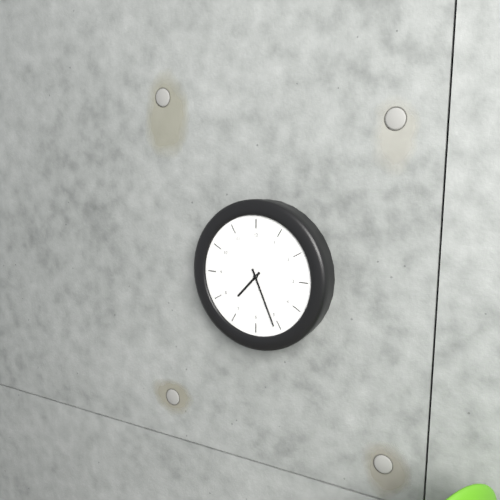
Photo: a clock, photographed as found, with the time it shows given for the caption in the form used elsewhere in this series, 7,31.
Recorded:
7,26
